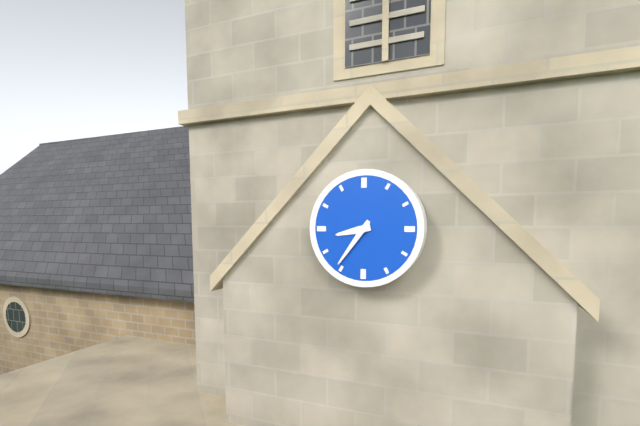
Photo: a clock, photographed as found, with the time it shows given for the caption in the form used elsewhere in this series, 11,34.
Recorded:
8,36
